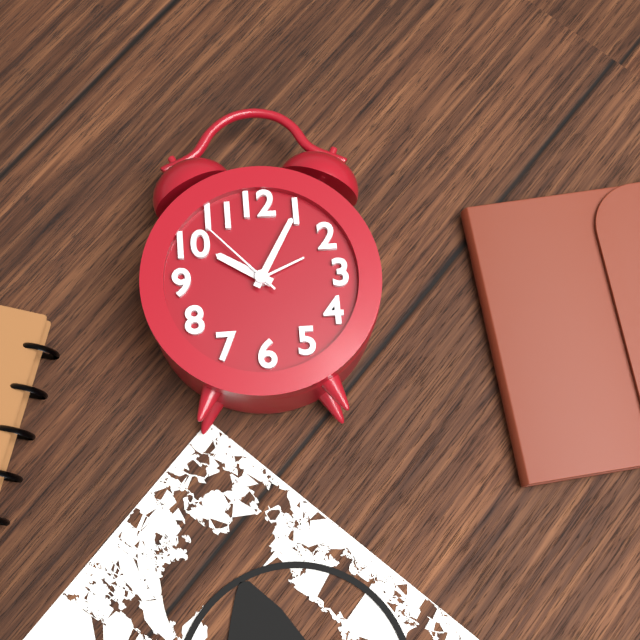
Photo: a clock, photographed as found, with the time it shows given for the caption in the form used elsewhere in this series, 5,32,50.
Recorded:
10,05,53
